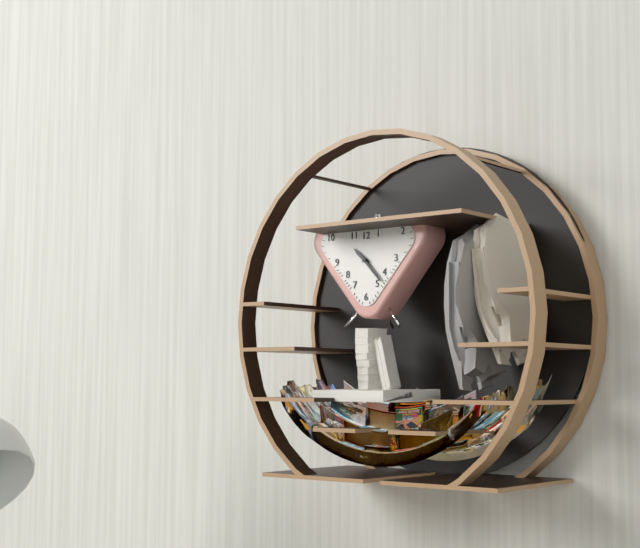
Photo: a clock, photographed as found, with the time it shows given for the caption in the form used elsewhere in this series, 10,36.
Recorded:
10,23
